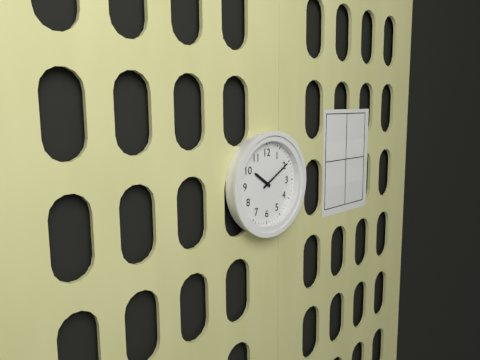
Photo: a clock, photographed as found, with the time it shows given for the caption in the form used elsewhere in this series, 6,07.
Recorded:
10,10
